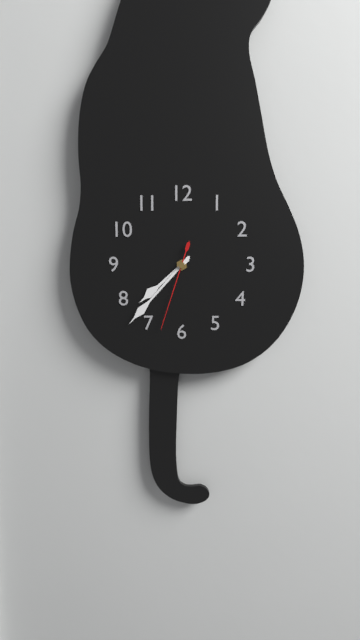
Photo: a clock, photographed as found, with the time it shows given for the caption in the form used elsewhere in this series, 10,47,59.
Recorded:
7,37,33
